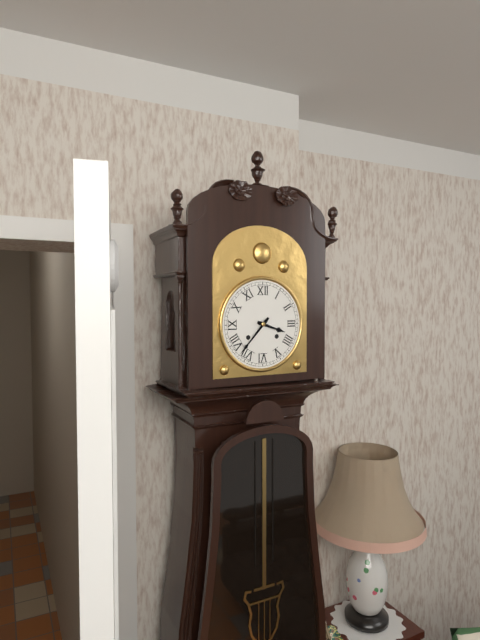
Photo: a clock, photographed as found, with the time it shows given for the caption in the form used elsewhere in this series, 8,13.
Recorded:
3,37
